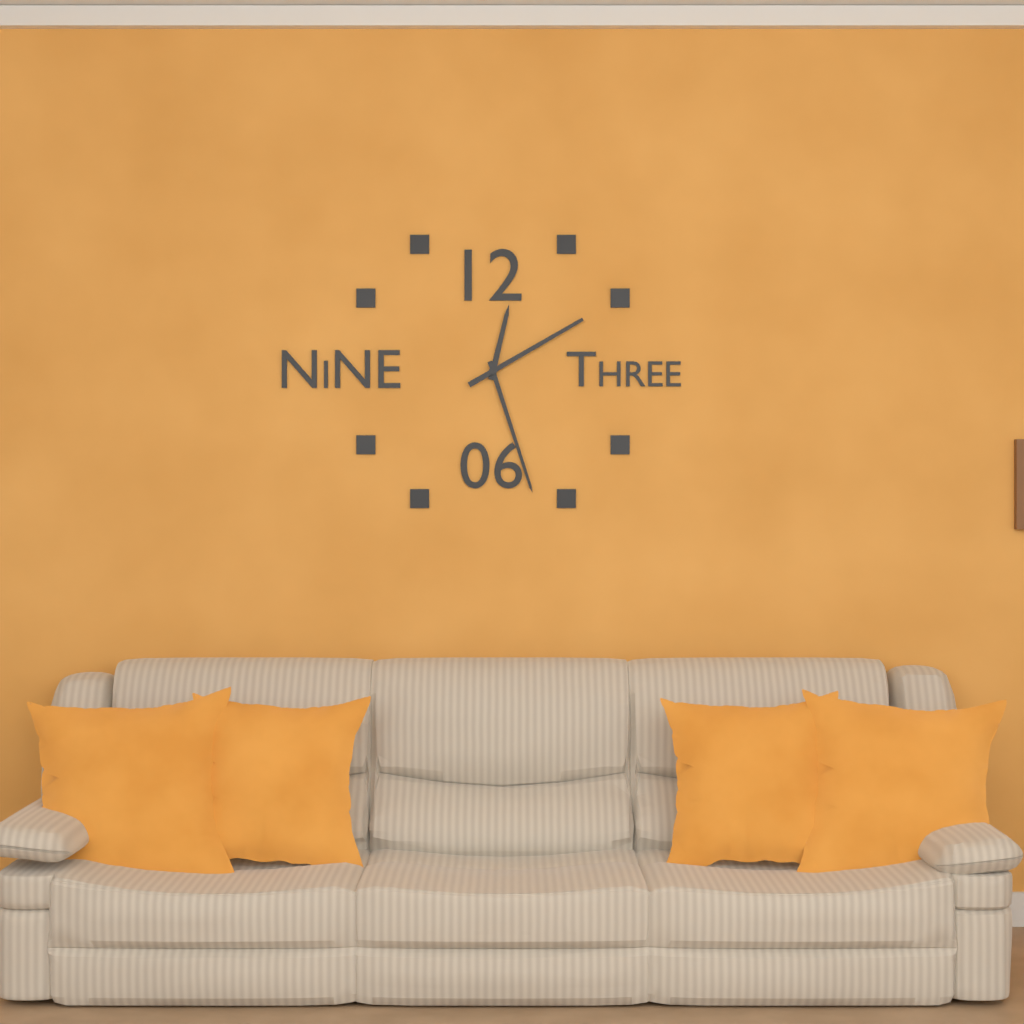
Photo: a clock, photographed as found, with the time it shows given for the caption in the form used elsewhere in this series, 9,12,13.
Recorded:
12,27,10
